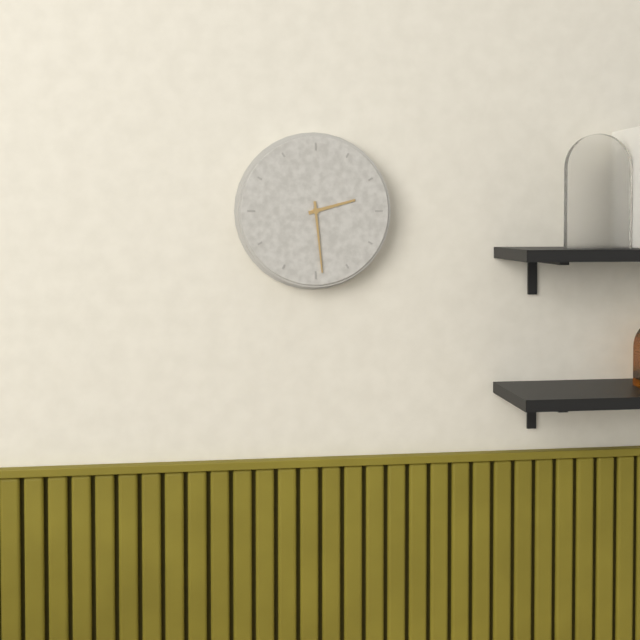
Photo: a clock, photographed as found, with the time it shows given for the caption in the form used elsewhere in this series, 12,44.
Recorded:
2,29
